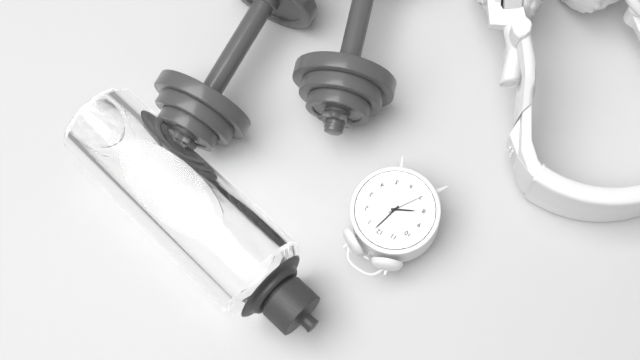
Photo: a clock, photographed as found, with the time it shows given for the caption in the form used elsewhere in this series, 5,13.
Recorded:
8,02
